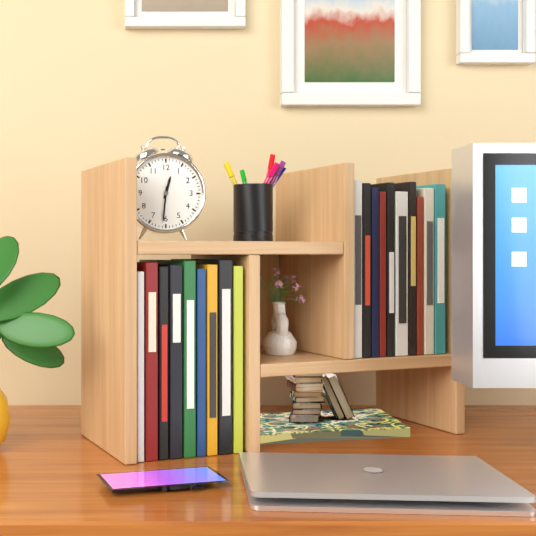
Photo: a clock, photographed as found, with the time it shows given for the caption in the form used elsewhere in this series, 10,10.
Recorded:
12,31
